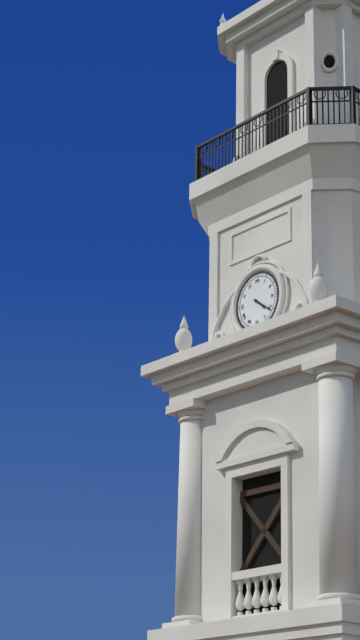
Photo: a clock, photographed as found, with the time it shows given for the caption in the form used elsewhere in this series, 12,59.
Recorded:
4,21
